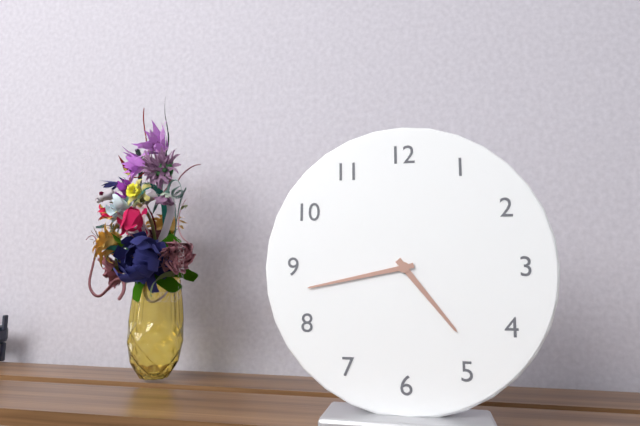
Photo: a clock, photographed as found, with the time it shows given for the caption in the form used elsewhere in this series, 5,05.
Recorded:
4,43
